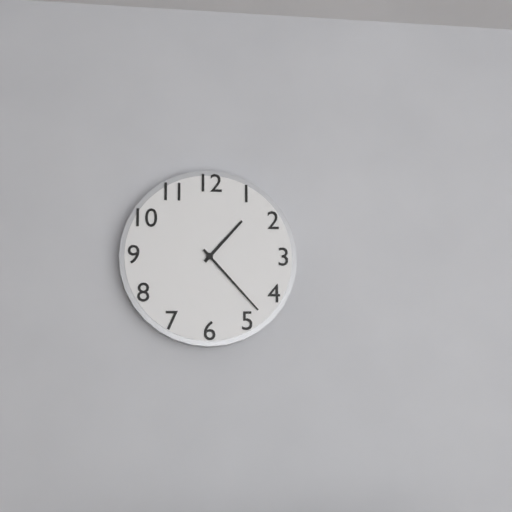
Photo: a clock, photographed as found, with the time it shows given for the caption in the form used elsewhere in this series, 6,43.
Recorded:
1,23
